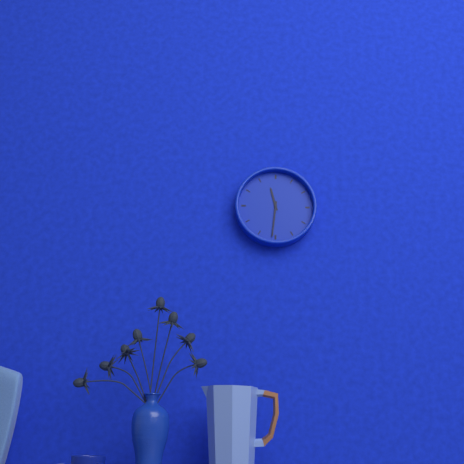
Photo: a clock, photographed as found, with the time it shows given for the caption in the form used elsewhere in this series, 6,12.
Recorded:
11,31
